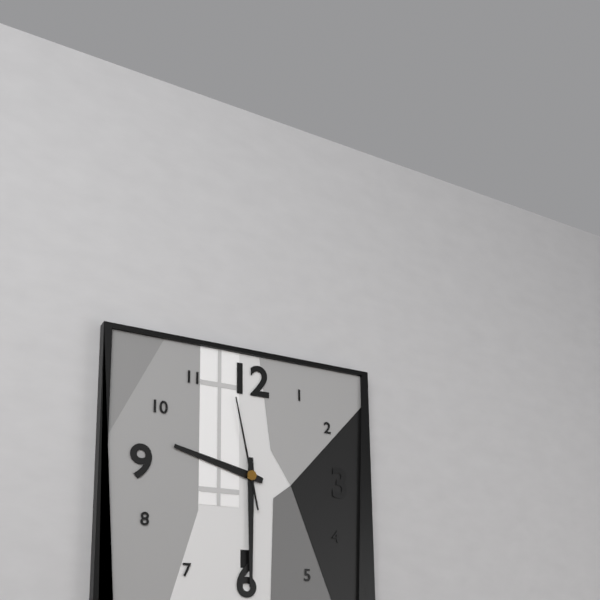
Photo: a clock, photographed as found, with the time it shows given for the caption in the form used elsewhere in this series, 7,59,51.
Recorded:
9,30,58
